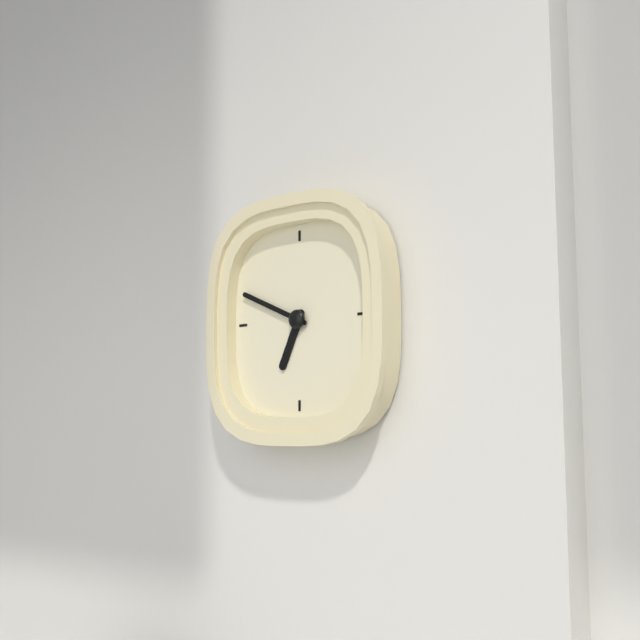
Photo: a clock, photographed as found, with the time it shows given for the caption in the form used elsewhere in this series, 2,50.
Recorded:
6,49
